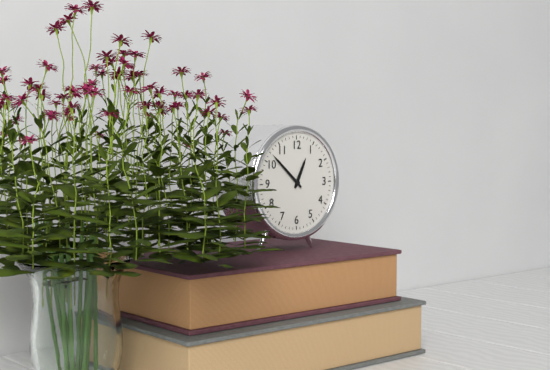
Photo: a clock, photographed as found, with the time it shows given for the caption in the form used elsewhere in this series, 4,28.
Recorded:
12,52
